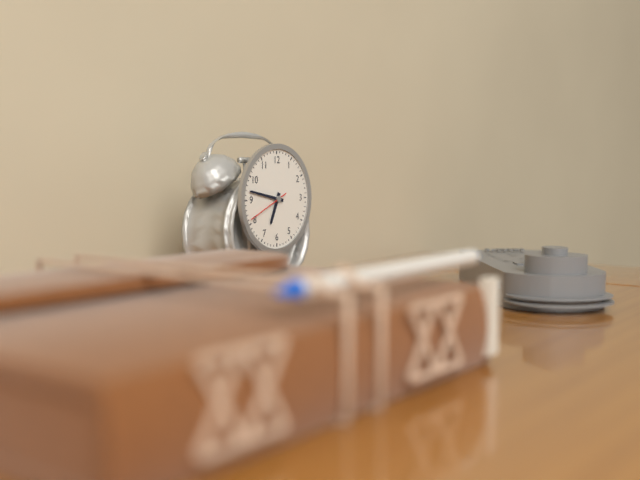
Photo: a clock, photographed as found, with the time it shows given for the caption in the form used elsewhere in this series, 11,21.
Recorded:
6,47
